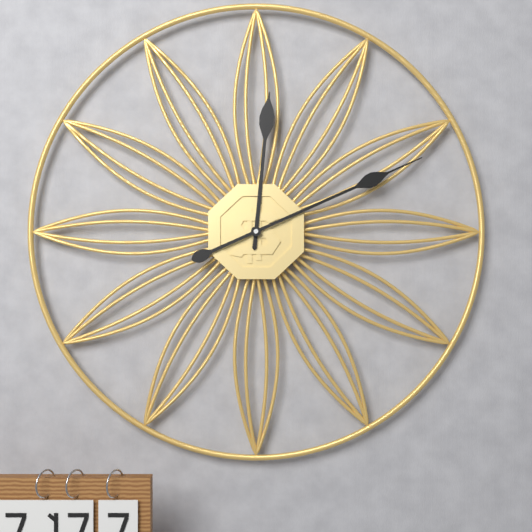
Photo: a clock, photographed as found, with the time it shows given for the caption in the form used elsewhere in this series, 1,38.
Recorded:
12,11
